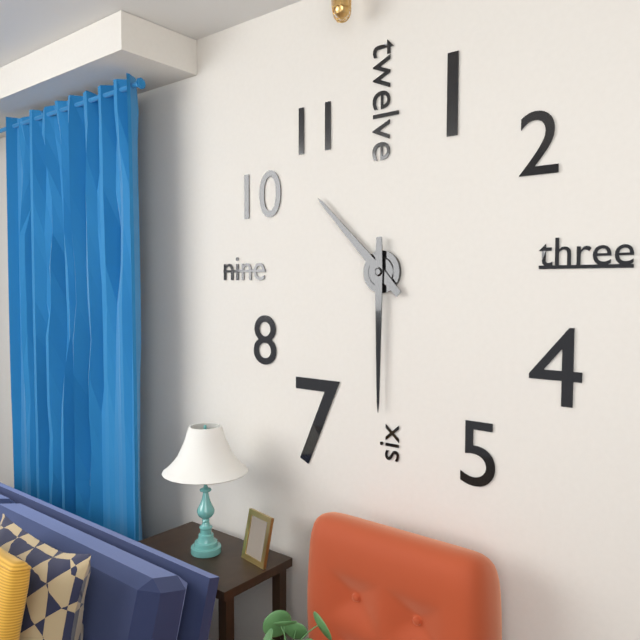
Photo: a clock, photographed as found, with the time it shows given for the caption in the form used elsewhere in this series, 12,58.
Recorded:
10,30
